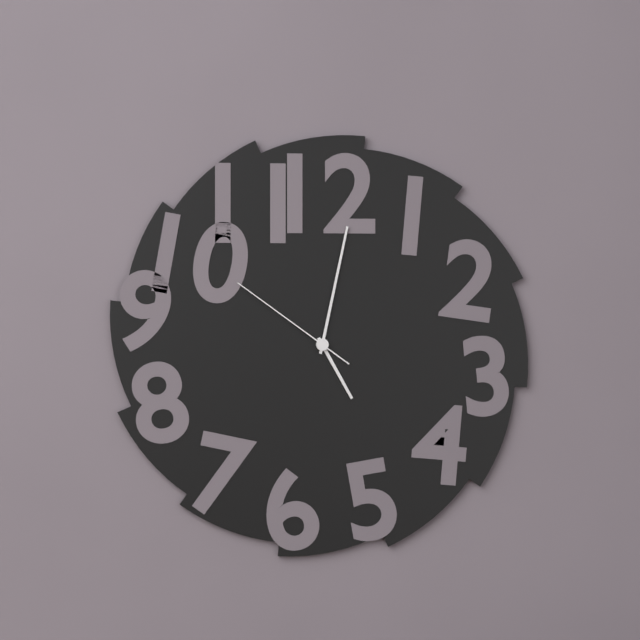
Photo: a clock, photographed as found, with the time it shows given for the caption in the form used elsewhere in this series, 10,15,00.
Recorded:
5,02,51
